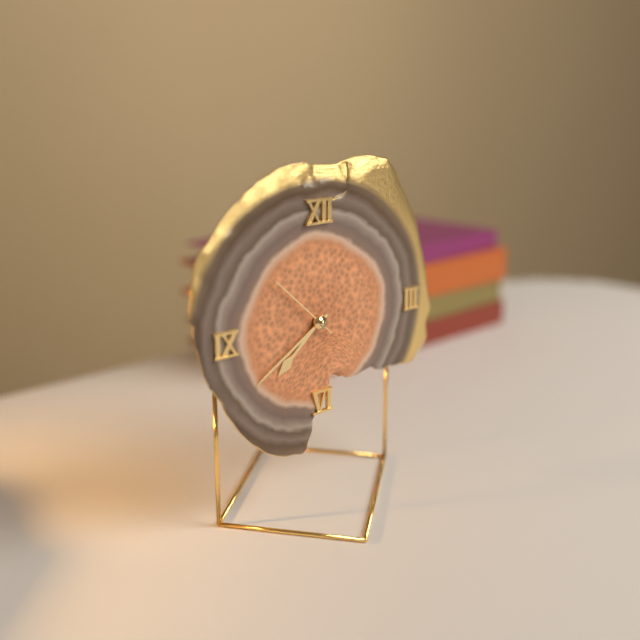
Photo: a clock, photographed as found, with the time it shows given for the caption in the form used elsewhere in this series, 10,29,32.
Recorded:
7,40,52
